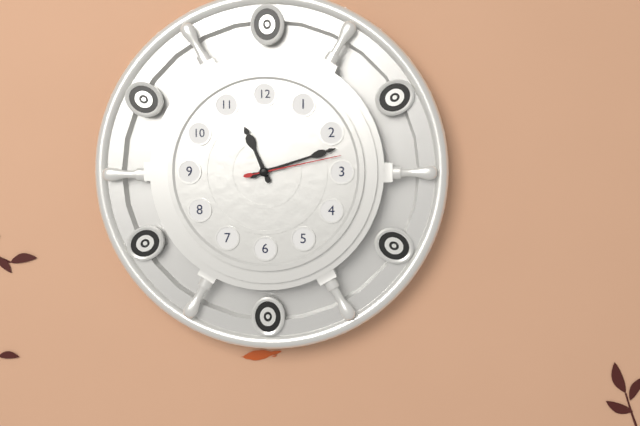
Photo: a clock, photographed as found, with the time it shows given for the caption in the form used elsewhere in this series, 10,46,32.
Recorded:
11,12,13
